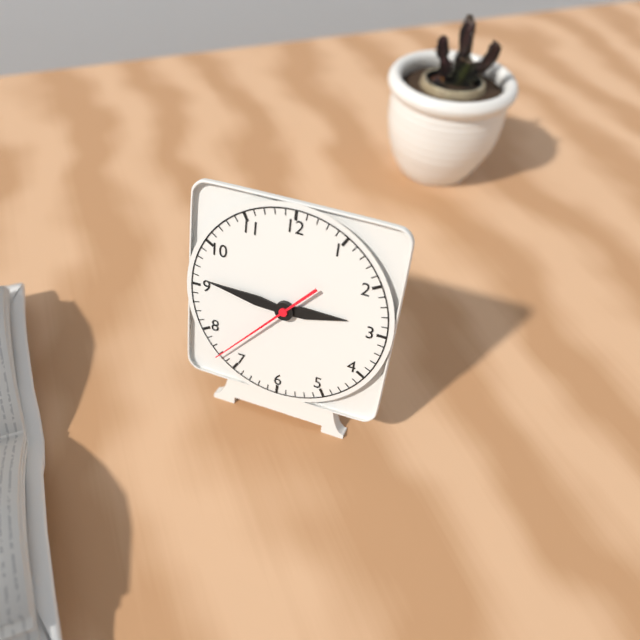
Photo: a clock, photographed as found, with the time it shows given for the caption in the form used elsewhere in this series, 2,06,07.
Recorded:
2,46,37
